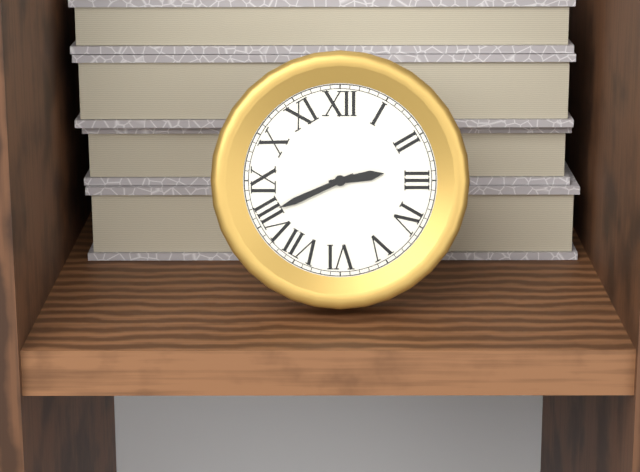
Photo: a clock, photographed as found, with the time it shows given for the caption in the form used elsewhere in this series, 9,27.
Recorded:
2,41
